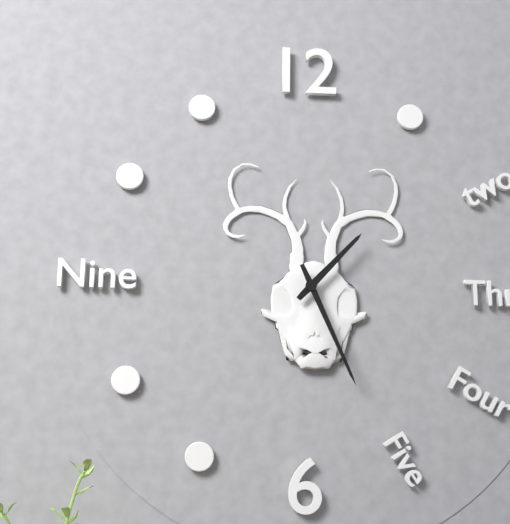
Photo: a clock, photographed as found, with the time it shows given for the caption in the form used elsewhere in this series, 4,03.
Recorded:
1,26
